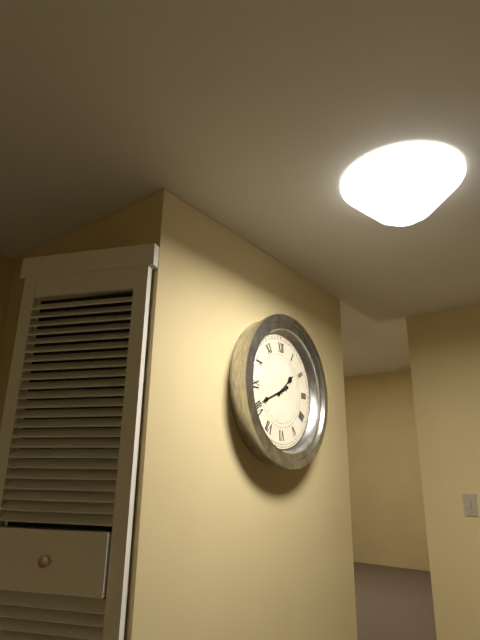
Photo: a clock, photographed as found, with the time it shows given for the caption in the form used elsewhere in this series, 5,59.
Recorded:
1,41
